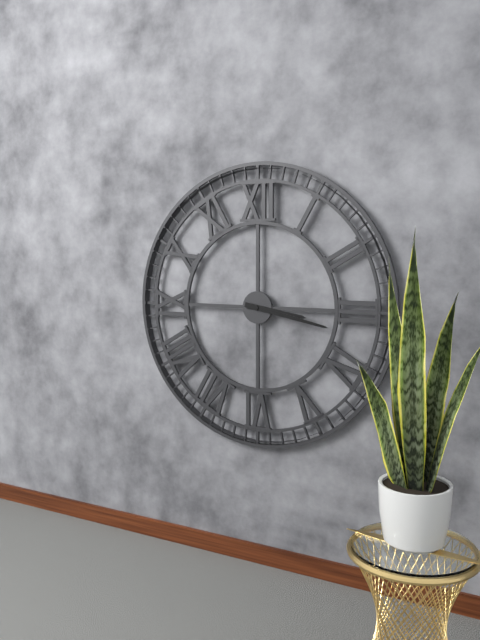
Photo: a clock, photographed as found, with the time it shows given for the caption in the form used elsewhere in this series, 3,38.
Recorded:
3,17
